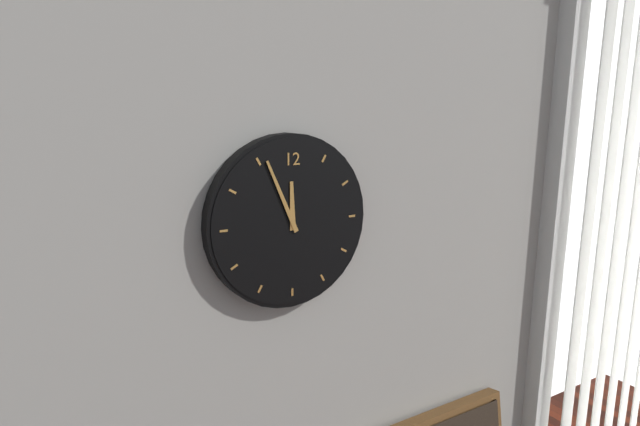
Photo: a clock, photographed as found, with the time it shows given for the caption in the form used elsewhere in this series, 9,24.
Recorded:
11,56
